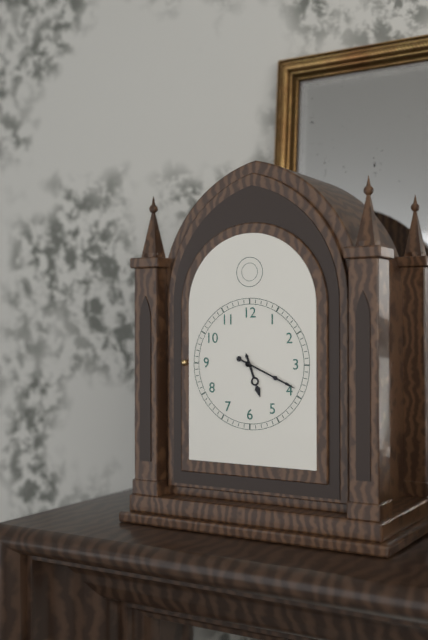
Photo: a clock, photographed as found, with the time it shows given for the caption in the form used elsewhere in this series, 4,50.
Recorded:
5,19
